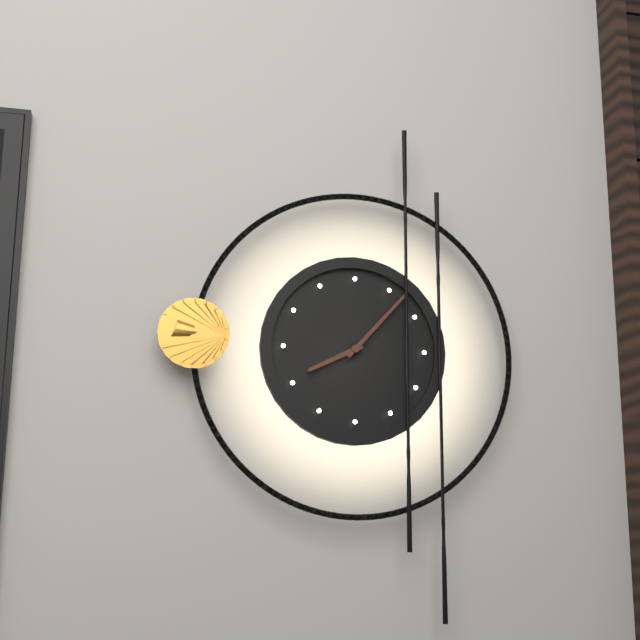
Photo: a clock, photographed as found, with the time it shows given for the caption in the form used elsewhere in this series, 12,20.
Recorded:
8,07
